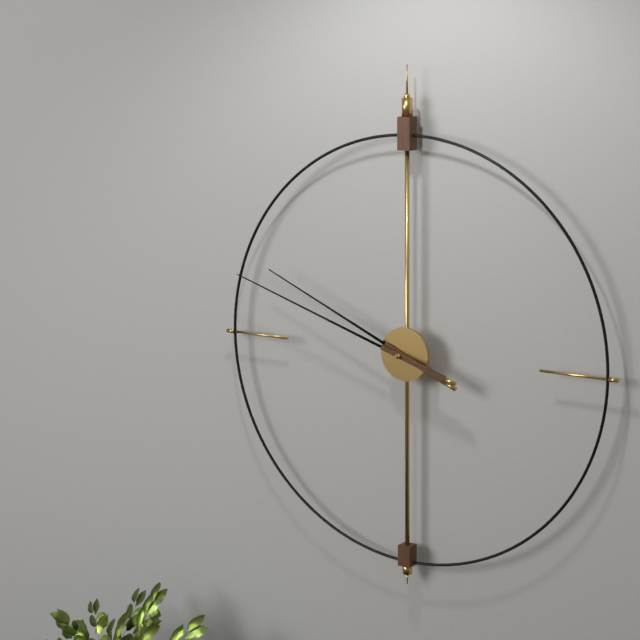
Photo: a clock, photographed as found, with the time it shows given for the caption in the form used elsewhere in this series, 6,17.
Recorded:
9,48
